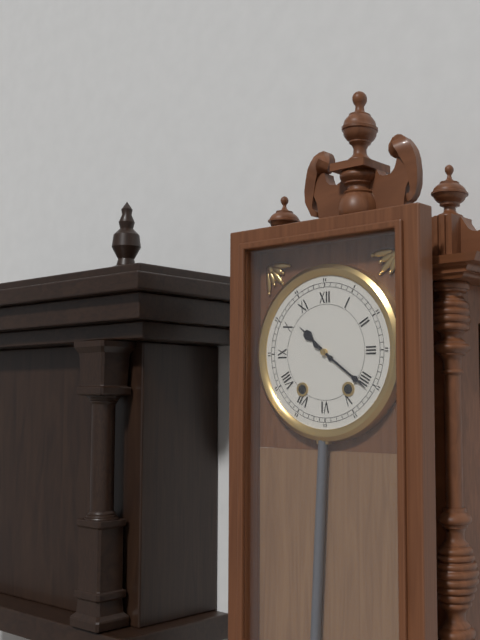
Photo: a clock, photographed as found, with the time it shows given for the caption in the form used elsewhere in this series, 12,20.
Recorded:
10,21
